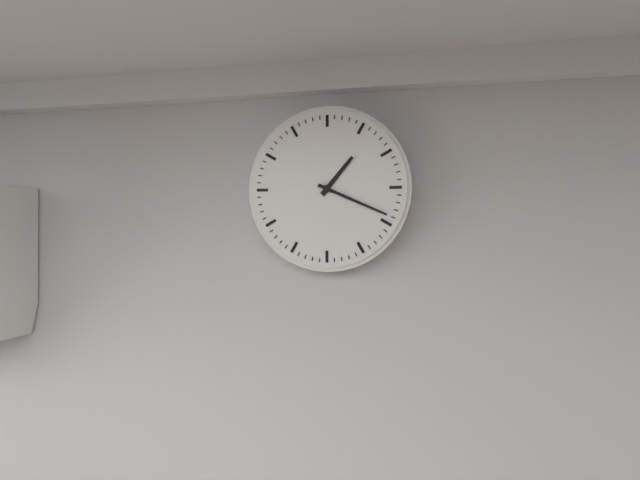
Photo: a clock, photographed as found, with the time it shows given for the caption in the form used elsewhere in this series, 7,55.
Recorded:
1,19
